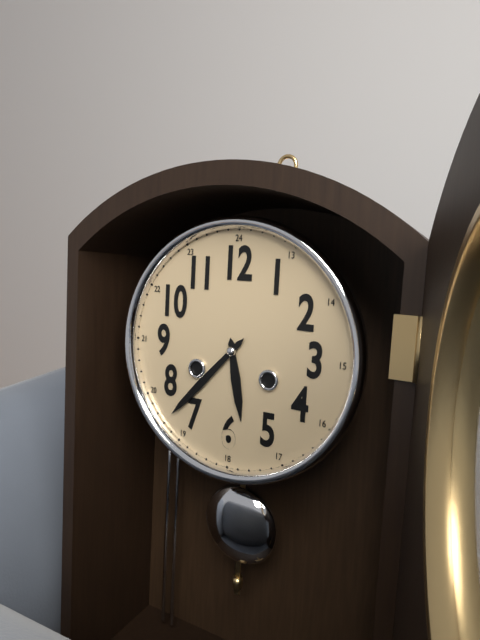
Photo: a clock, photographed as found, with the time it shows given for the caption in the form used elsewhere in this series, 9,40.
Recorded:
5,37
